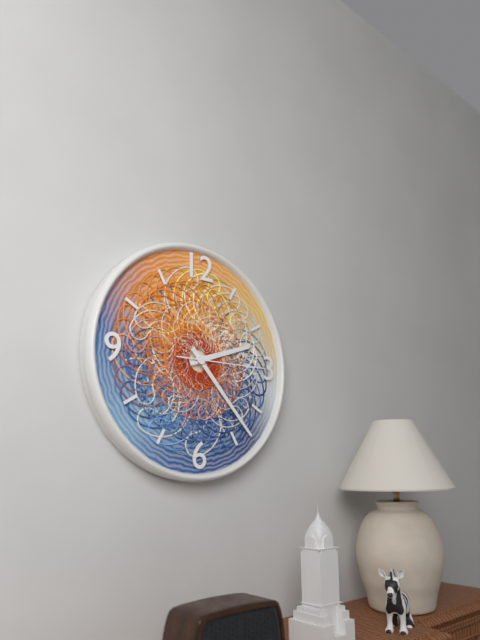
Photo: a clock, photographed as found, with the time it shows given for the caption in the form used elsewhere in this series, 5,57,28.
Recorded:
2,23,15
